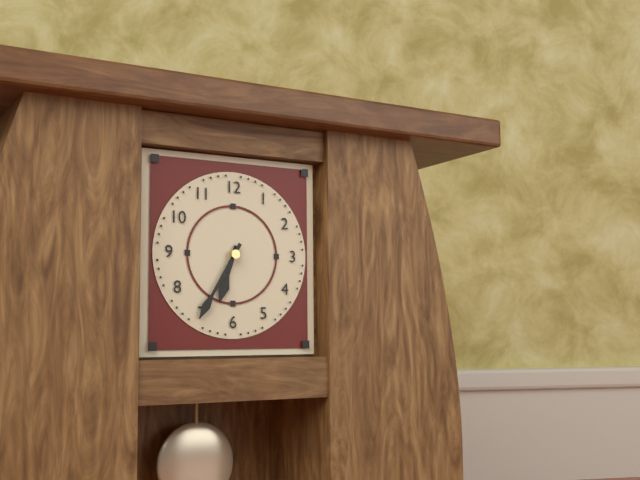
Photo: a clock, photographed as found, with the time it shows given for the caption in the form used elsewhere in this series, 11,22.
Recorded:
6,35
